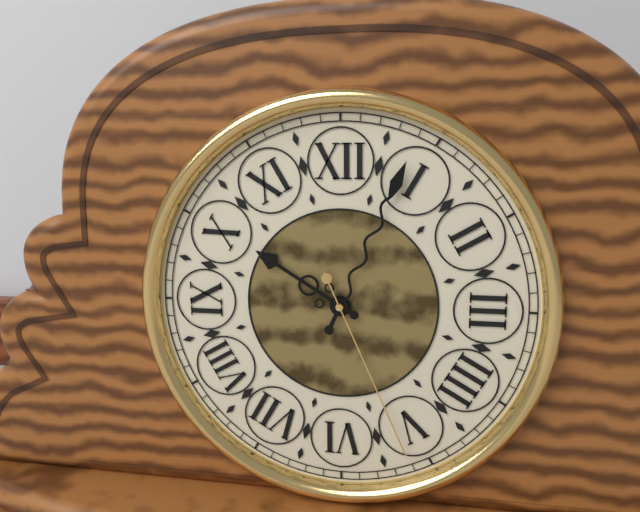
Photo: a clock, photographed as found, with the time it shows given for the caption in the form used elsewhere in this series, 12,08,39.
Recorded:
10,04,26
